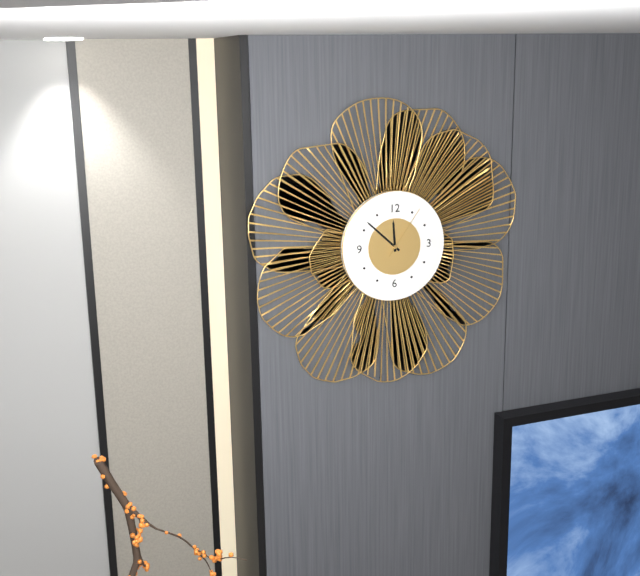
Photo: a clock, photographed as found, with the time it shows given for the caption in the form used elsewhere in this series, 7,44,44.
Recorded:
11,52,06
